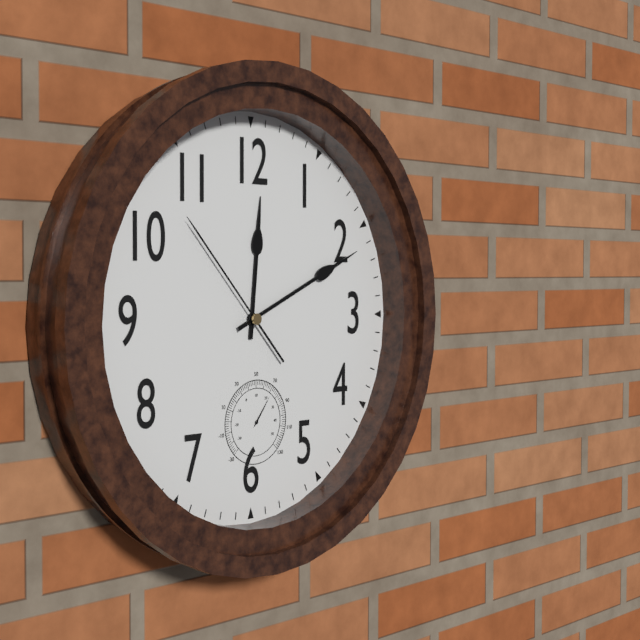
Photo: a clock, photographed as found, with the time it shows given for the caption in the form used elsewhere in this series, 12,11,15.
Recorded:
12,11,53
